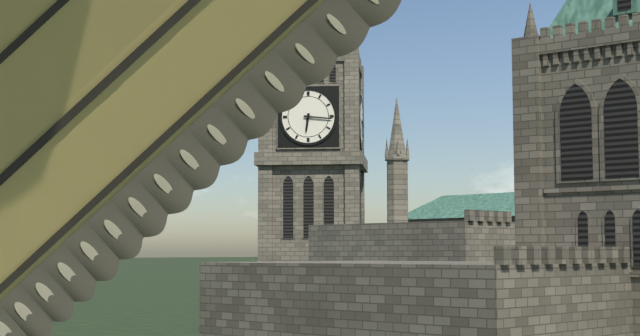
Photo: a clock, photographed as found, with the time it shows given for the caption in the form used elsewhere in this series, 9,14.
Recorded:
6,16
